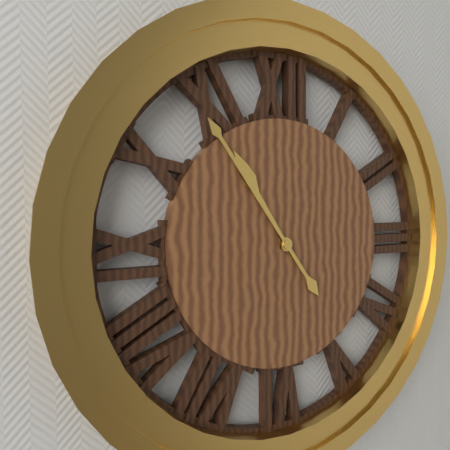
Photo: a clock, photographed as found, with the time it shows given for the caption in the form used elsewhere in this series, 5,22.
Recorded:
10,54
